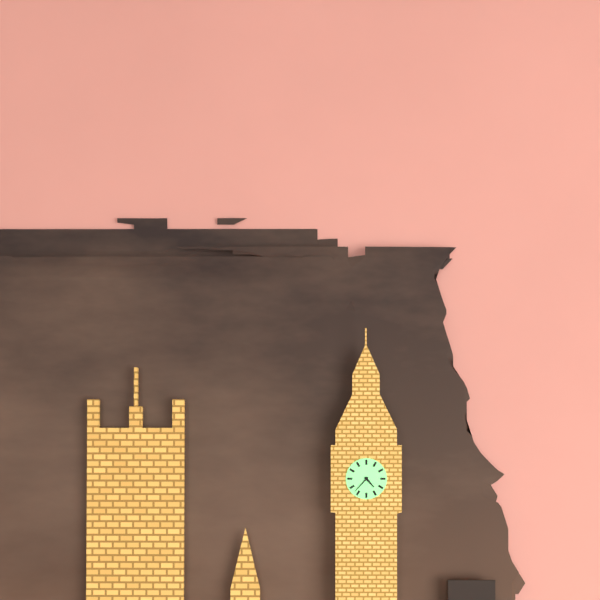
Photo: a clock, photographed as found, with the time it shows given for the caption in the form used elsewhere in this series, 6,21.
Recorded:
4,37
